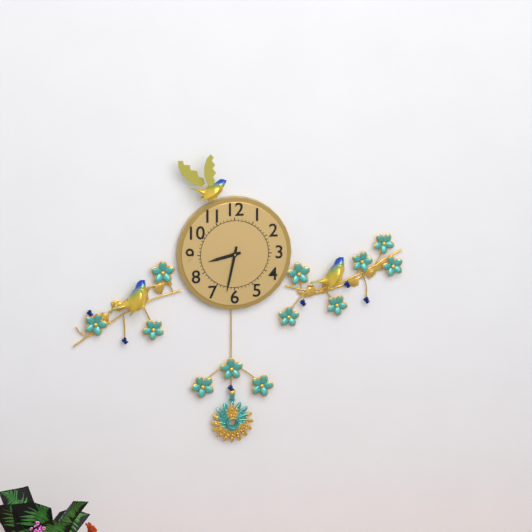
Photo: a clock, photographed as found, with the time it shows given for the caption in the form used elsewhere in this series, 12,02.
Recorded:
8,32
